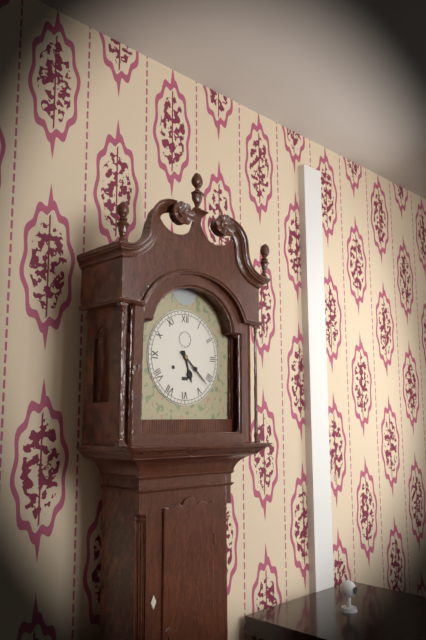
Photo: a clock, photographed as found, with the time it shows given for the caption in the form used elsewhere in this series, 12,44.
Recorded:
5,22
